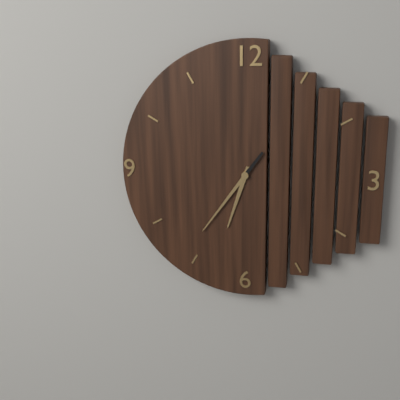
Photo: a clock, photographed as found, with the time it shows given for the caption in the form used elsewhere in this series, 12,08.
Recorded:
6,36
